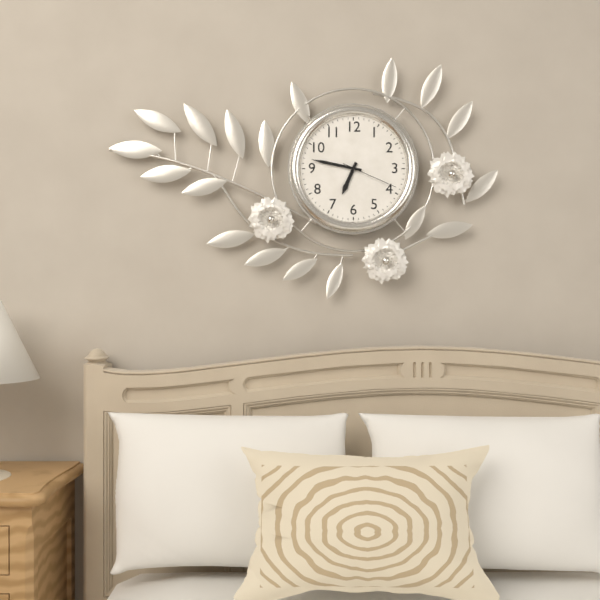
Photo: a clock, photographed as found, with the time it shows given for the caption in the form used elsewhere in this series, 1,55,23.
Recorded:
6,47,19
